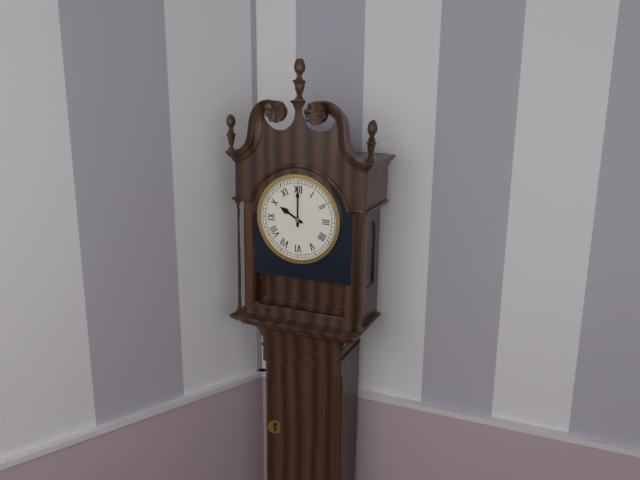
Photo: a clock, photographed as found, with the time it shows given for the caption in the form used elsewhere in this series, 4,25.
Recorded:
10,00
